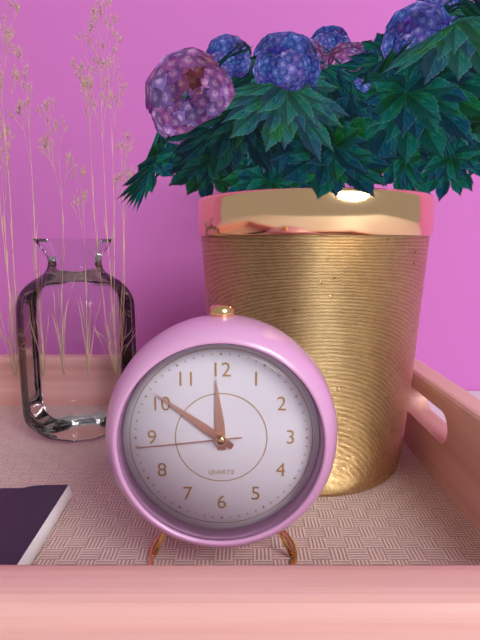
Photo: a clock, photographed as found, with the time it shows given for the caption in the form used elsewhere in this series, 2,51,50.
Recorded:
11,51,44
